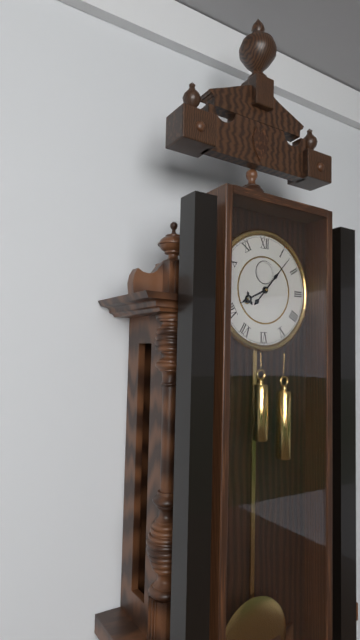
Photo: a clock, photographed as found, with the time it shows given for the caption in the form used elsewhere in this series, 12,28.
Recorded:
8,07
